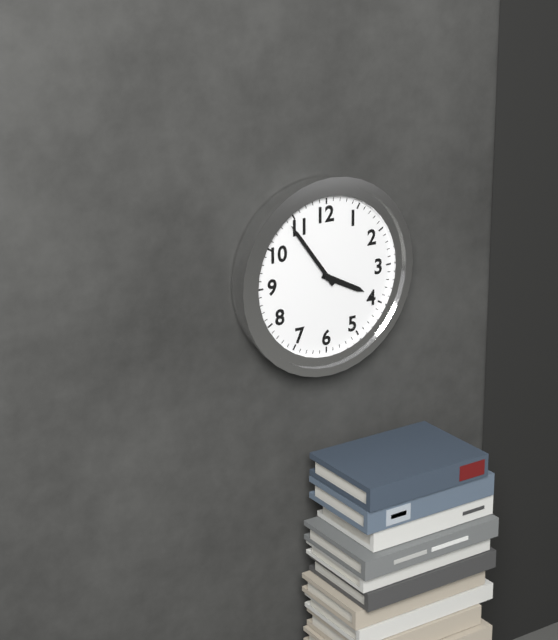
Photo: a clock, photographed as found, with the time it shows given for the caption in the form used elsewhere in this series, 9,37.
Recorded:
3,54
